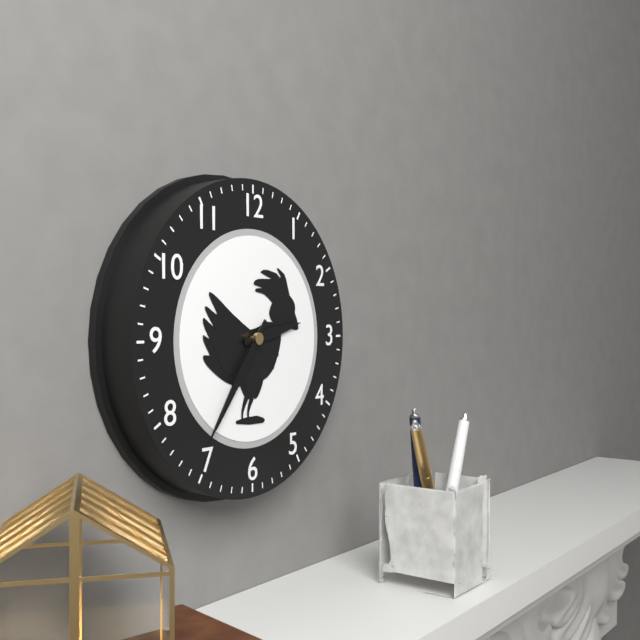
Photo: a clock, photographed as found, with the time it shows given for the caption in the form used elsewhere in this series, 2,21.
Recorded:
2,36
